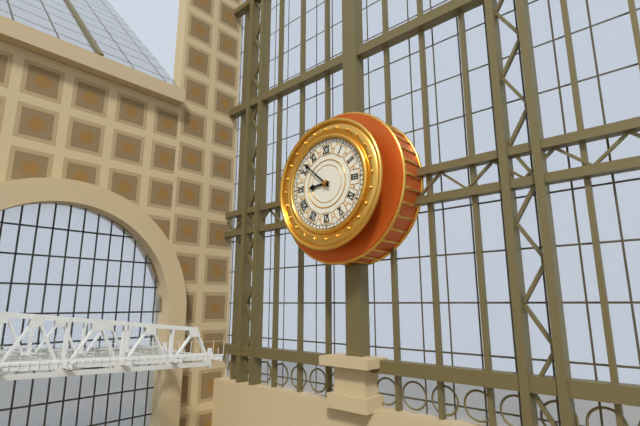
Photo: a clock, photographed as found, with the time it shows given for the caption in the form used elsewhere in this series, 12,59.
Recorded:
8,52
